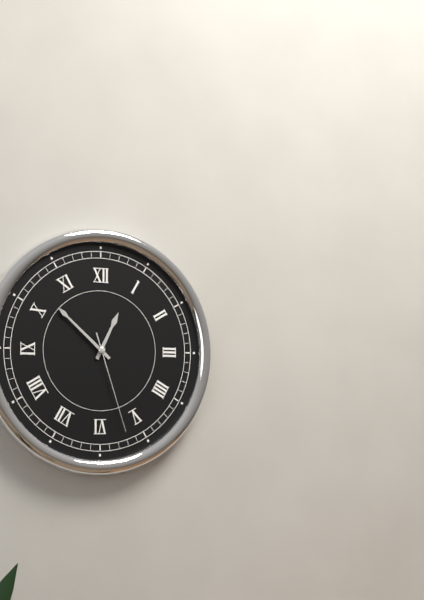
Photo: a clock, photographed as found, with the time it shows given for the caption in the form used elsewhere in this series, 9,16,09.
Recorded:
12,52,27
